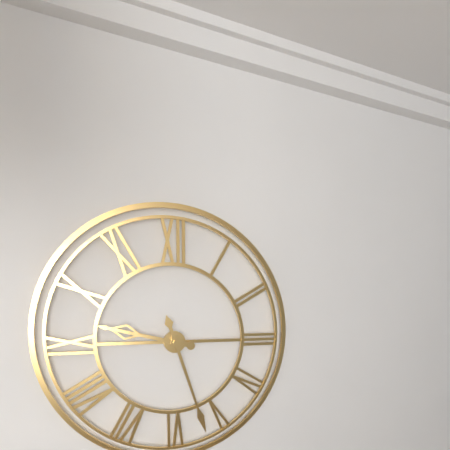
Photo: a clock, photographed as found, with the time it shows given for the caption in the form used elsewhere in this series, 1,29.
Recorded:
9,27
